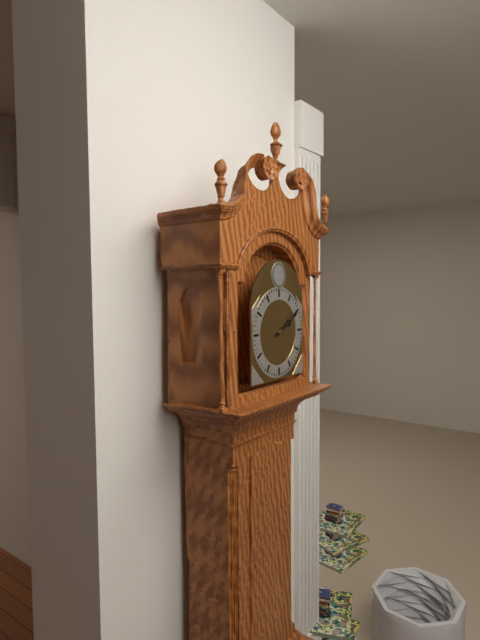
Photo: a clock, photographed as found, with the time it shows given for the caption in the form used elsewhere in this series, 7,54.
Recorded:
2,10
